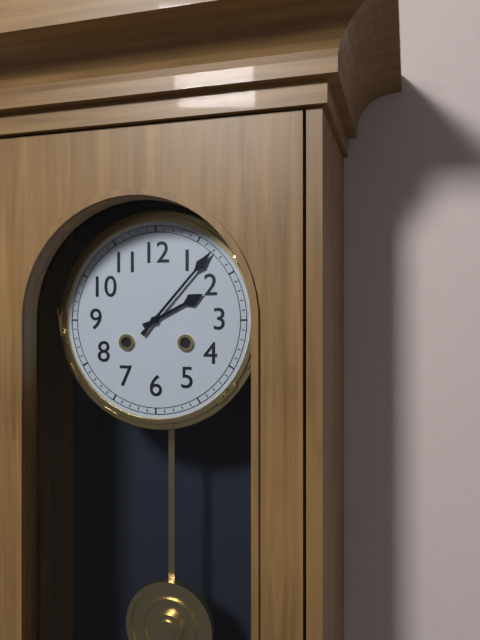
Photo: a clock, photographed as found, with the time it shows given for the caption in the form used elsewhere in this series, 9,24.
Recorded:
2,07
